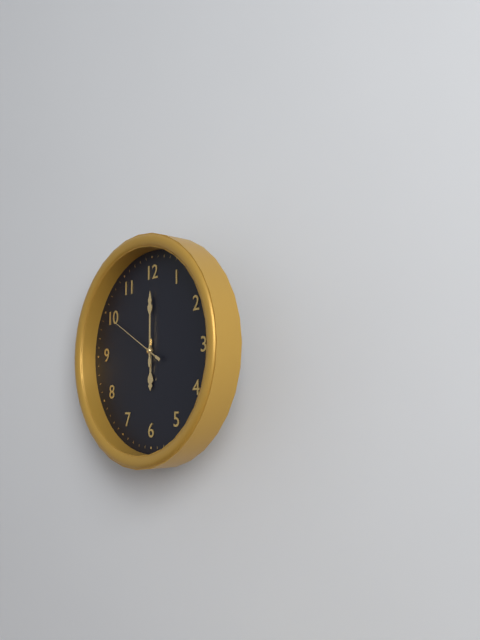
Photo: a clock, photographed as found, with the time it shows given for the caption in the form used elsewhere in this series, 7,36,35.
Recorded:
6,00,50
